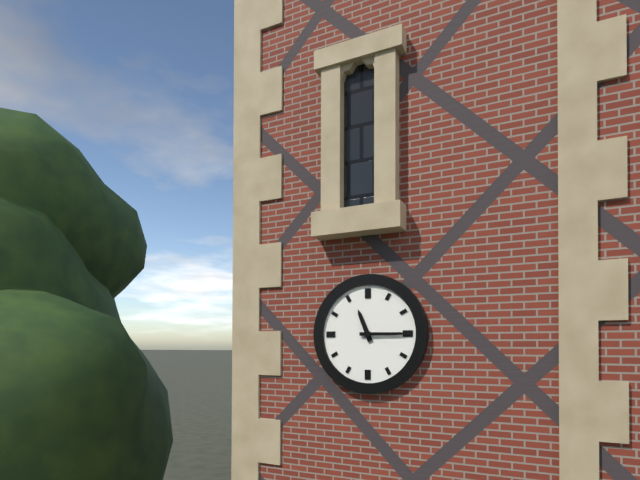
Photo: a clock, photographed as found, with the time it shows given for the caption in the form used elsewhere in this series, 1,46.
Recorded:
11,15
